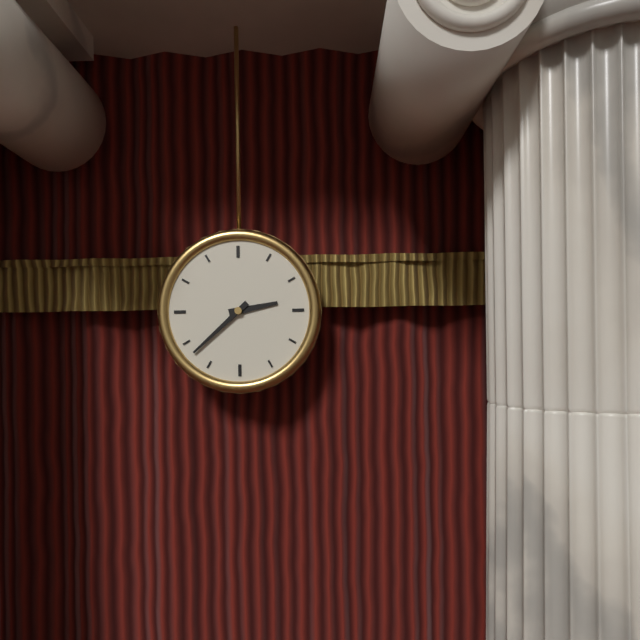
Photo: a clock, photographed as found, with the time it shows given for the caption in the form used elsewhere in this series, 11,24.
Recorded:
2,38
